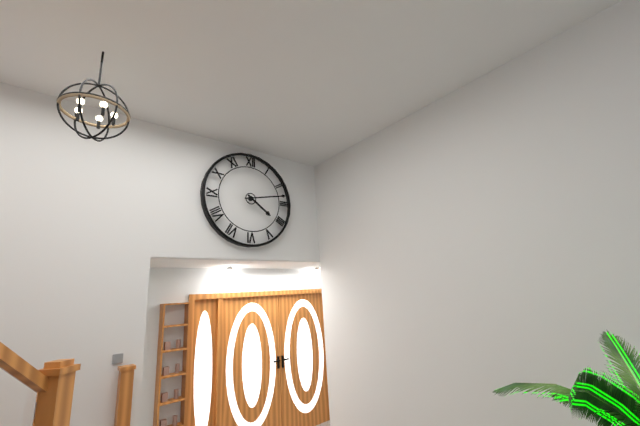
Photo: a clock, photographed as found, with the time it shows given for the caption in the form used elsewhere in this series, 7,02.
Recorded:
4,13
